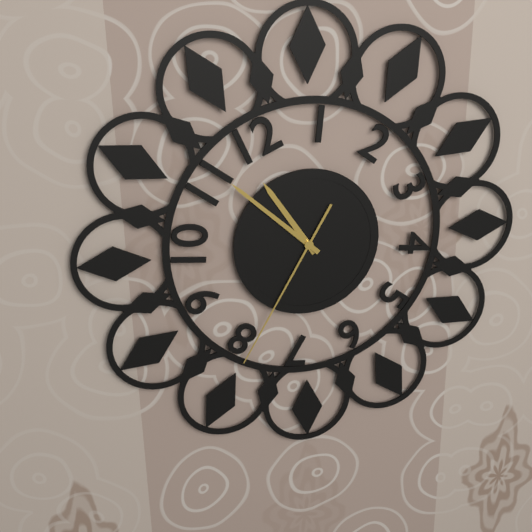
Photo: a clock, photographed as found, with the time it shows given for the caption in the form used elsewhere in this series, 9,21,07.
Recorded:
10,52,35
